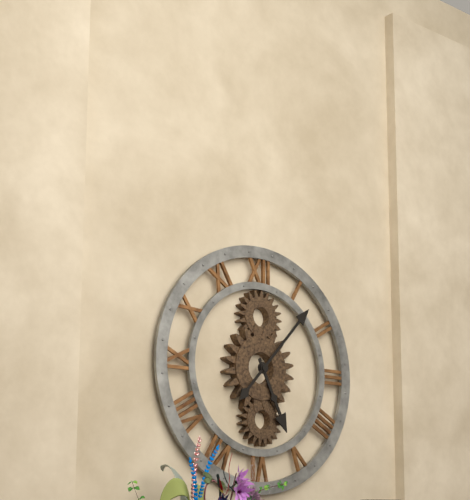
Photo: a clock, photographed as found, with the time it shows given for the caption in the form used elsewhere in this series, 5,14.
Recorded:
5,07
